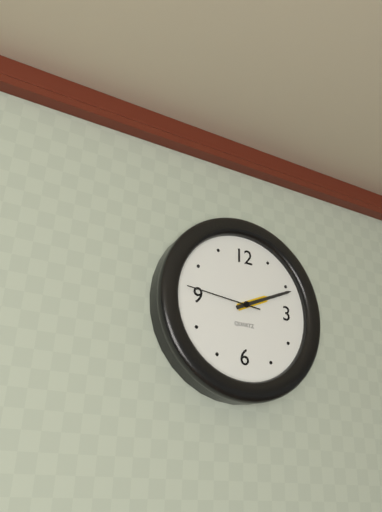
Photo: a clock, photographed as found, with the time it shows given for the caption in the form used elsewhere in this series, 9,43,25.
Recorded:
2,11,46
